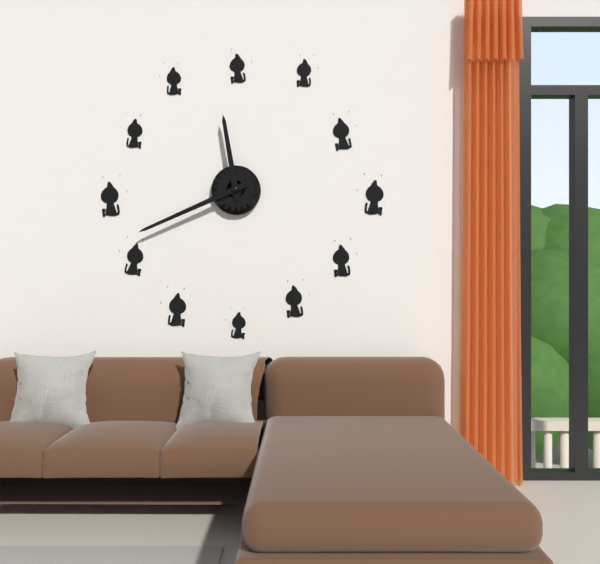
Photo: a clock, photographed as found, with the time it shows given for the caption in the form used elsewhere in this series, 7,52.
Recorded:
11,41
